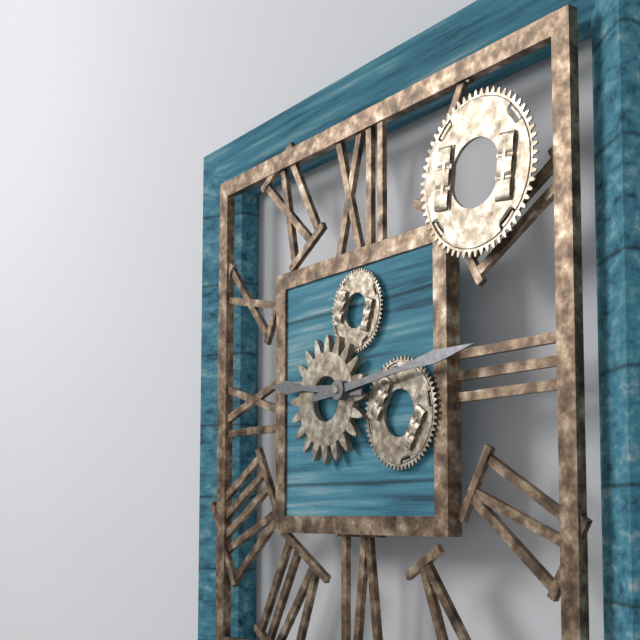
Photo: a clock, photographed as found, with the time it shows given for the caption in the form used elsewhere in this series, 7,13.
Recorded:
9,14
